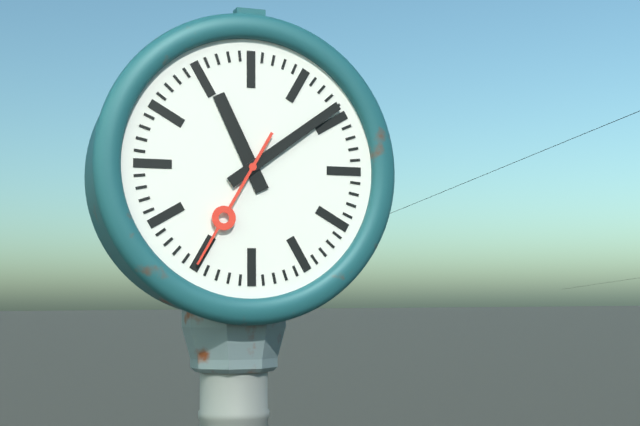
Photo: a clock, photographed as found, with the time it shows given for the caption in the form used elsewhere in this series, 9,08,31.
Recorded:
11,09,35
